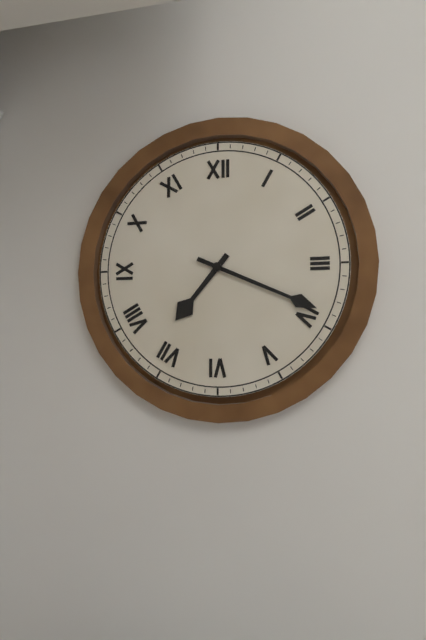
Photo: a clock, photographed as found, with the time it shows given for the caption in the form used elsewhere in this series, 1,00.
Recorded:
7,19
